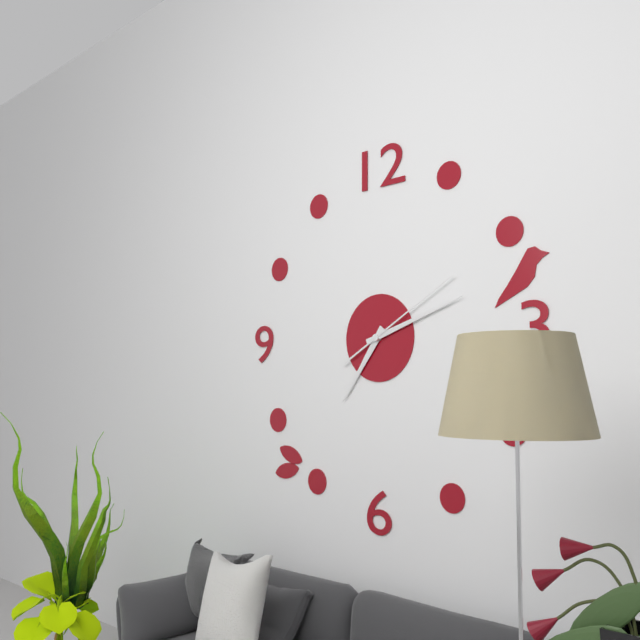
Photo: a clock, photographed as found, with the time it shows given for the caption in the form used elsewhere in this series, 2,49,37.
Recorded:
7,12,10
